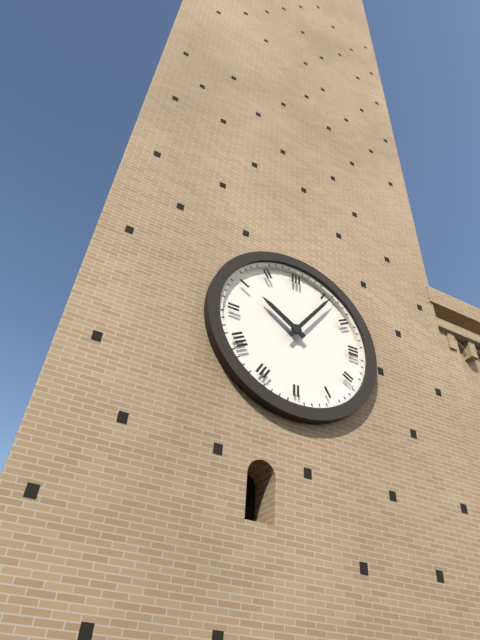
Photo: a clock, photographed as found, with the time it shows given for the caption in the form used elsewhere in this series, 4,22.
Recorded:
10,06
